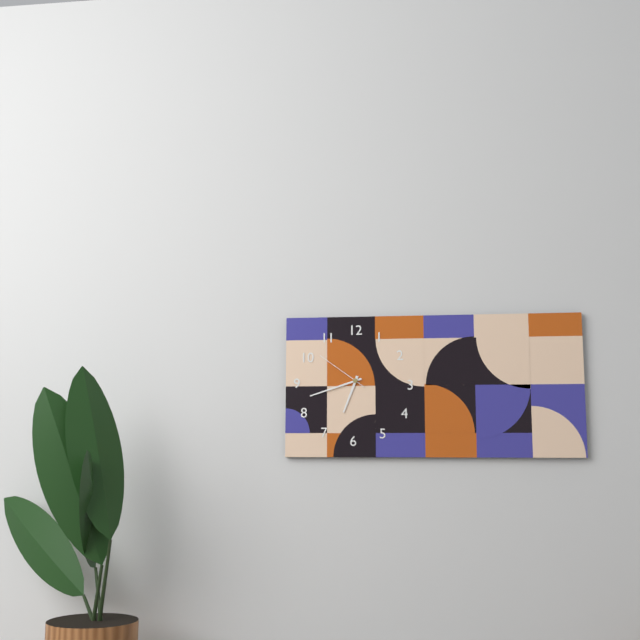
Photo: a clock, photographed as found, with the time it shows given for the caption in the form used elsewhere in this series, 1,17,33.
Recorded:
6,42,51
